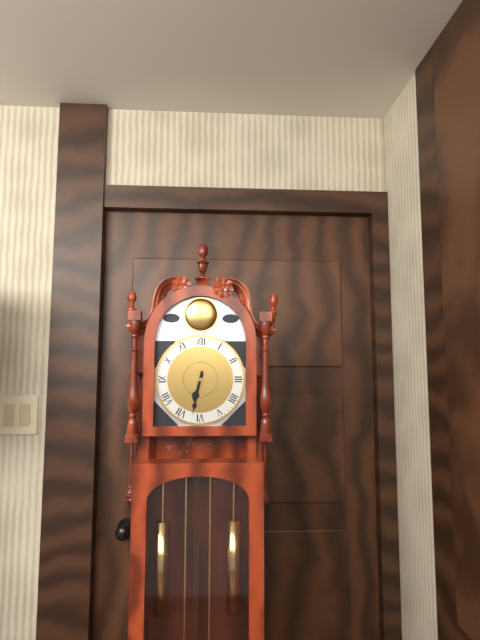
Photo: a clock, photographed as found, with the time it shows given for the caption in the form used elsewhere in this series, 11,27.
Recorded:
6,32
